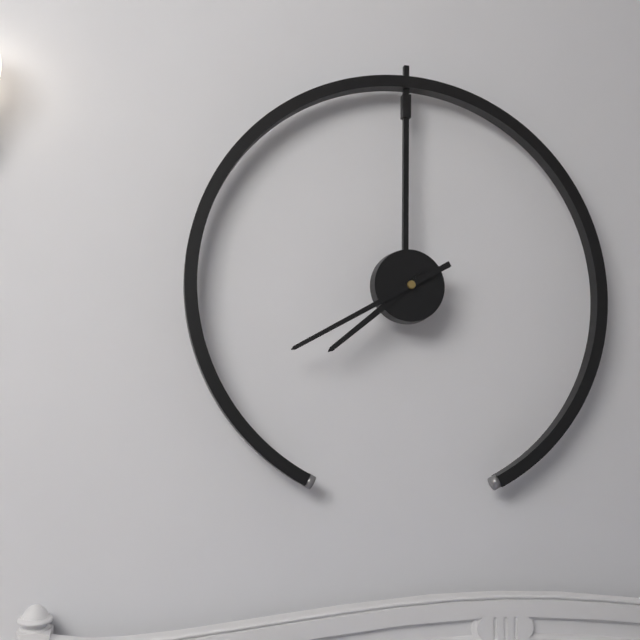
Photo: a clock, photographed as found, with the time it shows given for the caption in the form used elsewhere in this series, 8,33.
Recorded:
7,40
